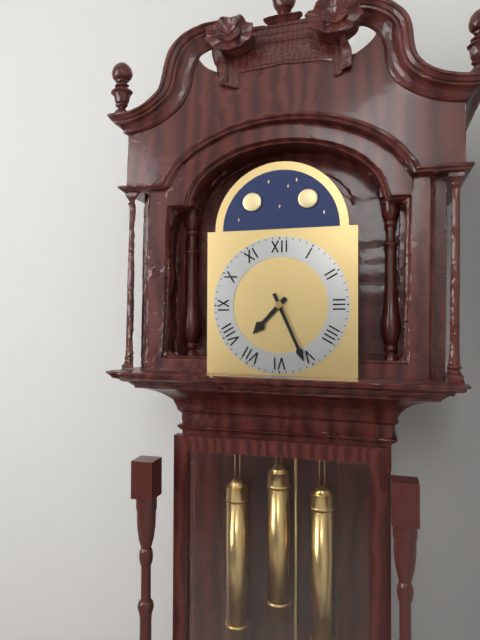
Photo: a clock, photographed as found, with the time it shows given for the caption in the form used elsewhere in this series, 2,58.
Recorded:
7,26
